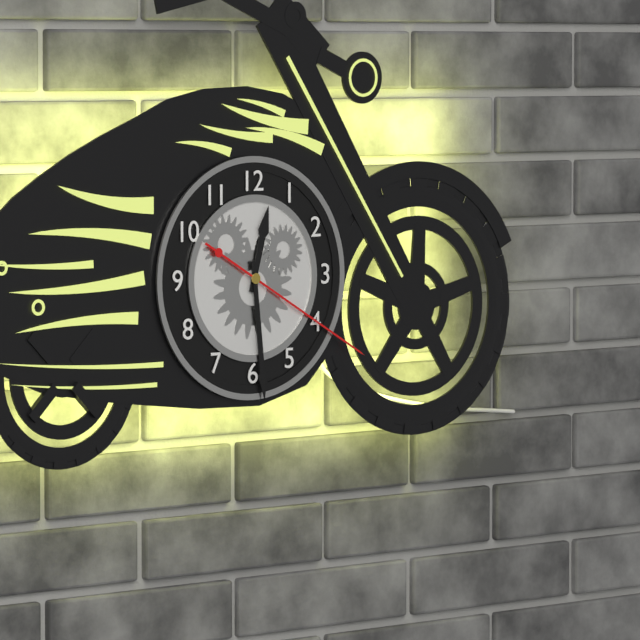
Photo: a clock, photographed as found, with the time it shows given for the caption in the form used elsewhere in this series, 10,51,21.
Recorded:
12,29,20
